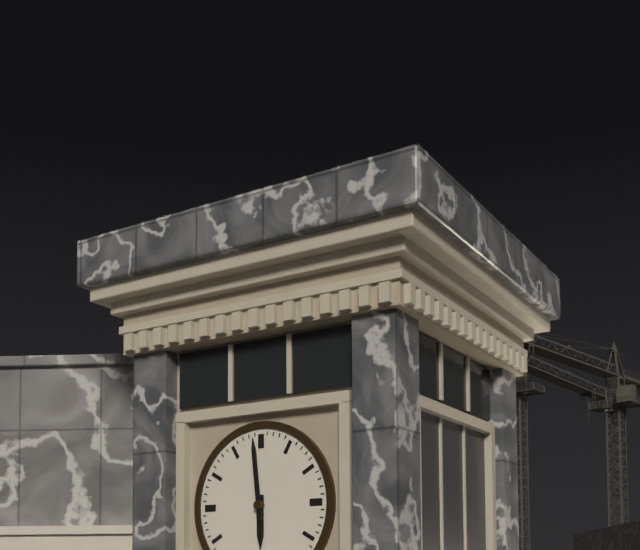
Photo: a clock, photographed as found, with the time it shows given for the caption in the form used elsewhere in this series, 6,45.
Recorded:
5,59
